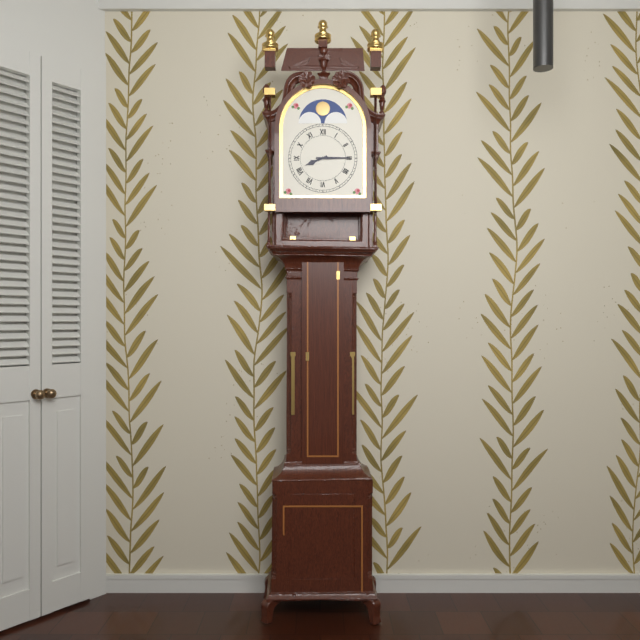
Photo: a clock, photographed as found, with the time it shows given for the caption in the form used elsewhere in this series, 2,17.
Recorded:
8,15
